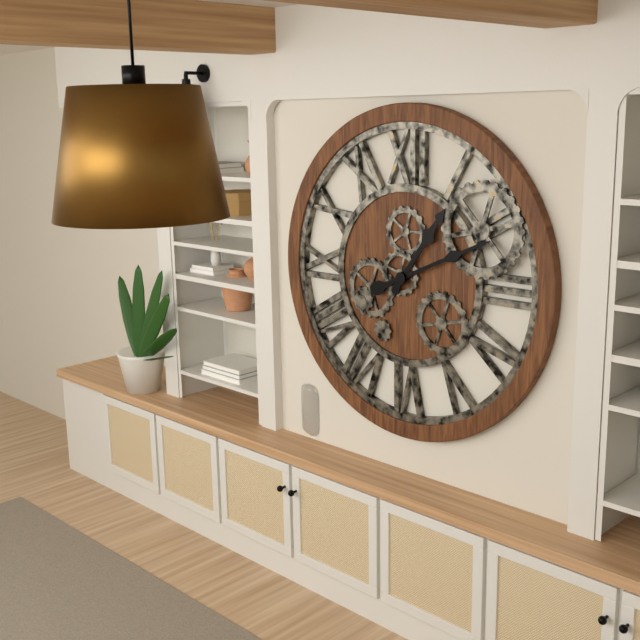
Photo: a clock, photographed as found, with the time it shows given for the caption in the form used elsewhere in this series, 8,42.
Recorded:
1,11
